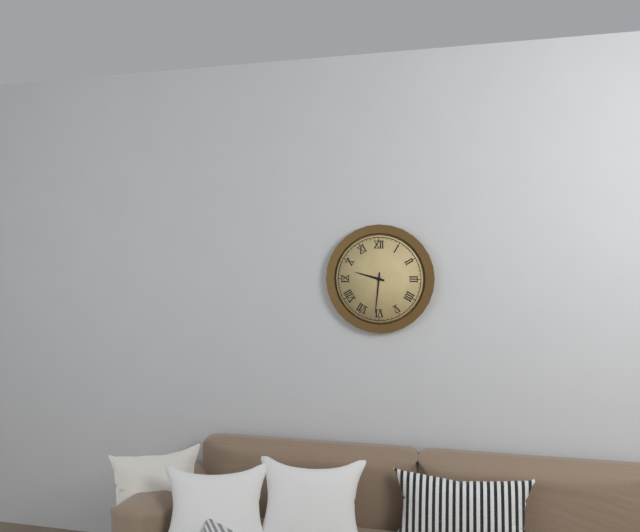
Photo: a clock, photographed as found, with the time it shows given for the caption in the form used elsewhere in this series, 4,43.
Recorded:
9,31
